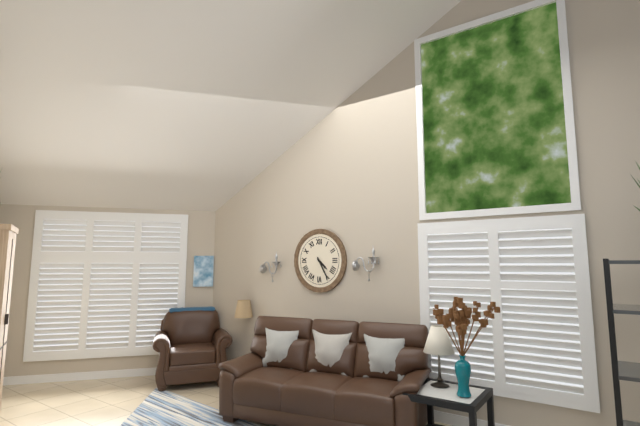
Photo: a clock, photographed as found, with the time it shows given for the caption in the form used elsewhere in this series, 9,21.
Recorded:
4,25
